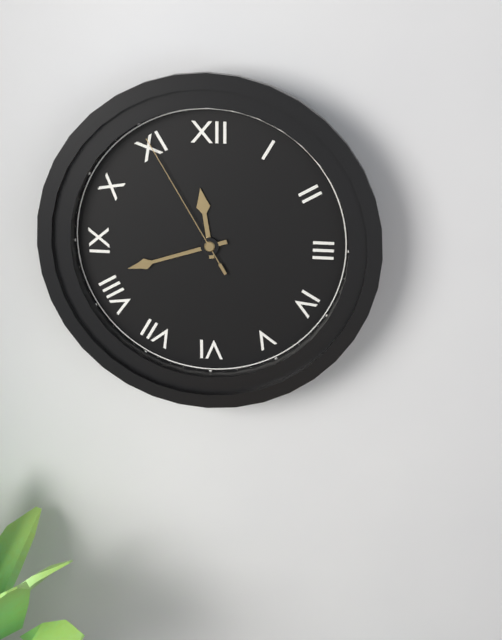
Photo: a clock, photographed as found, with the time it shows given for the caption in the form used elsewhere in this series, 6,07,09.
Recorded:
11,42,55
